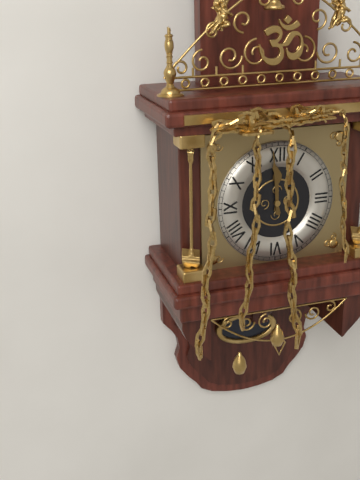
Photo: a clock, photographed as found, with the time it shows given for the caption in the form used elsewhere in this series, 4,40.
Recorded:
11,59
